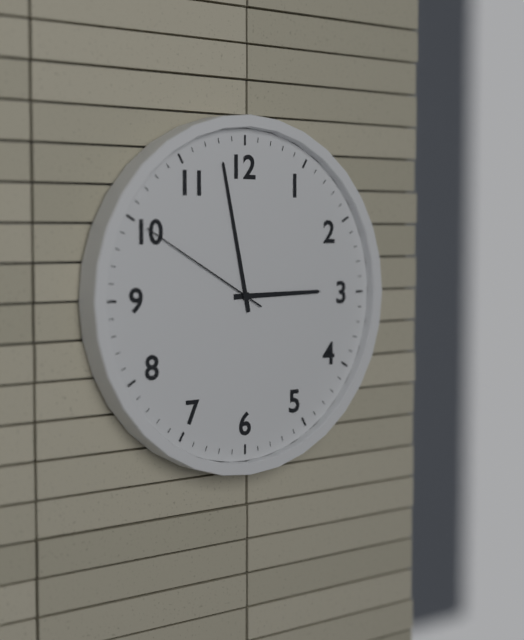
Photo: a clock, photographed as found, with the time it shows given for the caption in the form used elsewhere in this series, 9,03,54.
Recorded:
2,58,50
